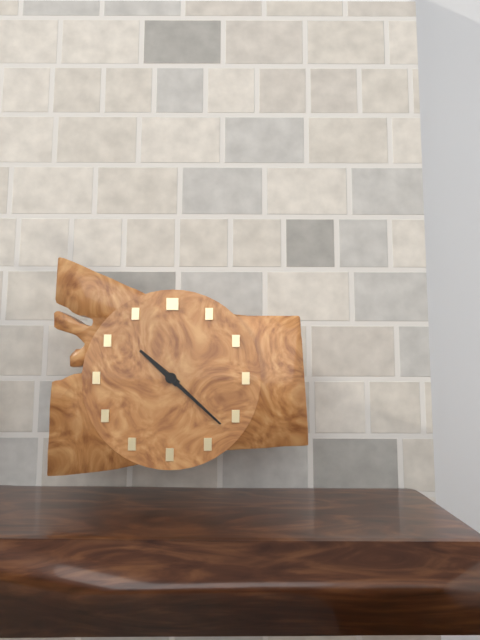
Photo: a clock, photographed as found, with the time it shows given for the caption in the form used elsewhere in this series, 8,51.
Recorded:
10,22
